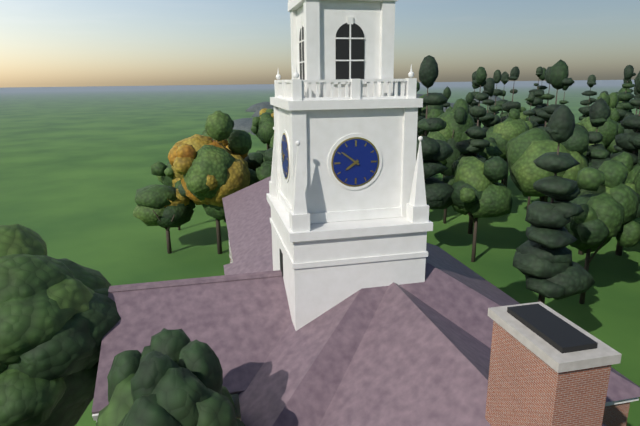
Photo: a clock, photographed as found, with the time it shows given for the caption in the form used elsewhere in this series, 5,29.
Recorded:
7,51
